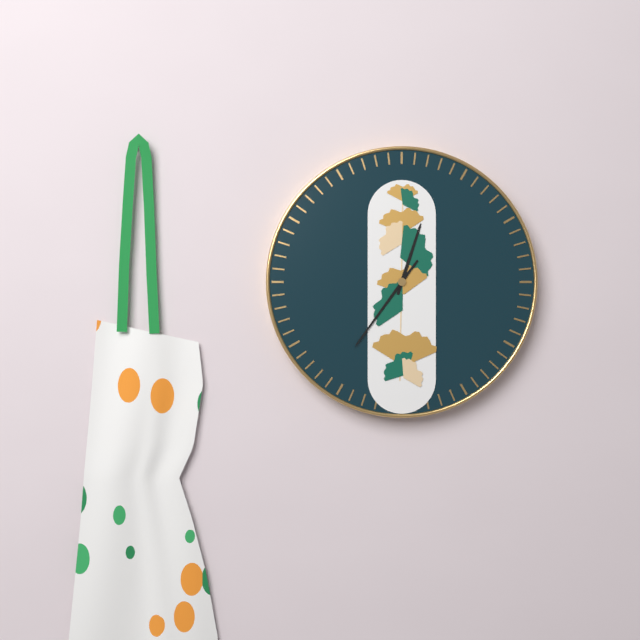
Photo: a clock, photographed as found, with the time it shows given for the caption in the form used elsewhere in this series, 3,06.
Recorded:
12,36
